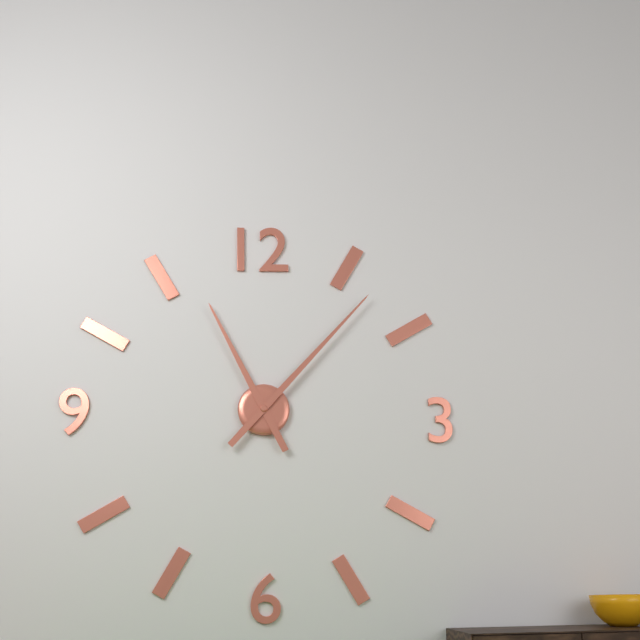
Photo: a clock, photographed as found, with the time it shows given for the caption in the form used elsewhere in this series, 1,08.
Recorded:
11,07
